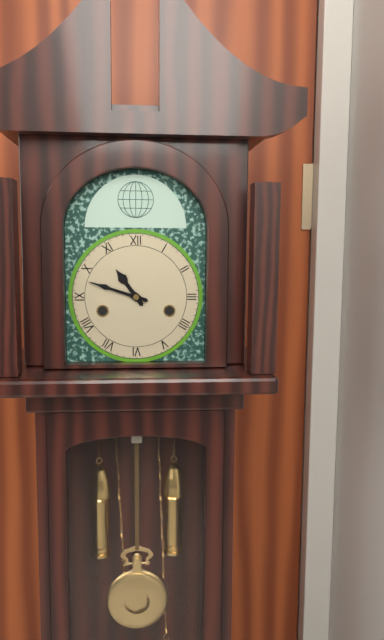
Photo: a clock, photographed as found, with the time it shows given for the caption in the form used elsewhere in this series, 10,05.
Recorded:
10,48
